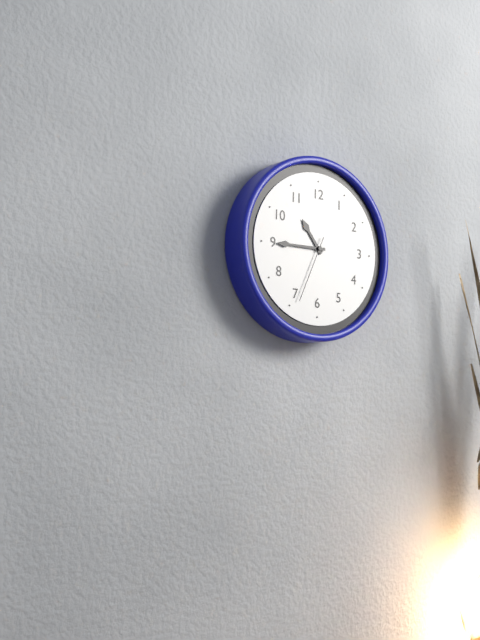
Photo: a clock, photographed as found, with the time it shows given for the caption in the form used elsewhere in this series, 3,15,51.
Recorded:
10,45,34
